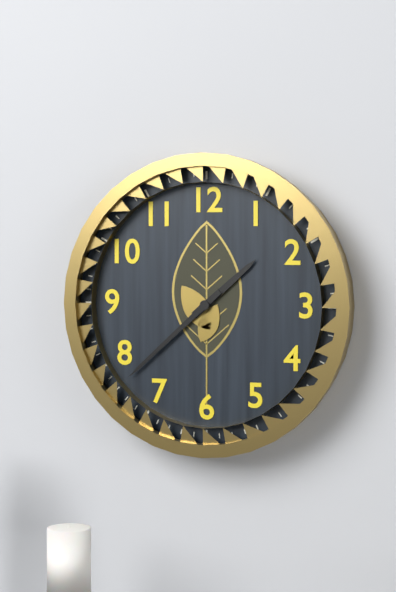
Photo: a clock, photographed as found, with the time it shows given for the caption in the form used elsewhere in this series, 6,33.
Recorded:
1,38
